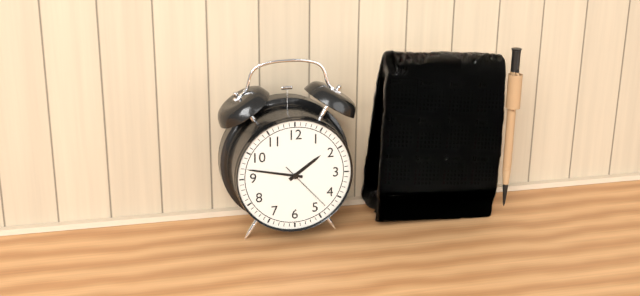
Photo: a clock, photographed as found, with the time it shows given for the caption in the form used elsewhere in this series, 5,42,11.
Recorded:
1,47,23
